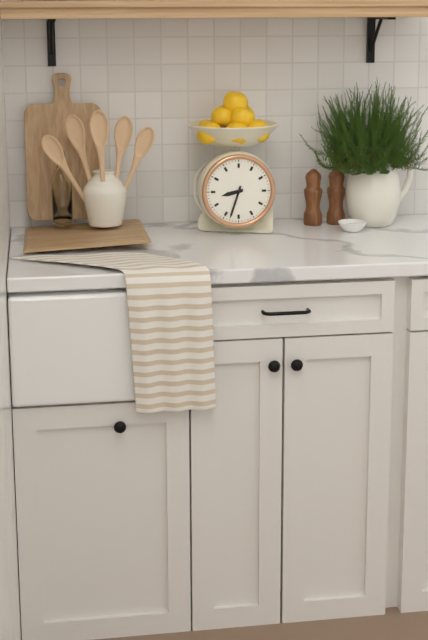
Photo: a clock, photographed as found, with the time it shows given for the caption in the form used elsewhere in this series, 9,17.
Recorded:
8,33
